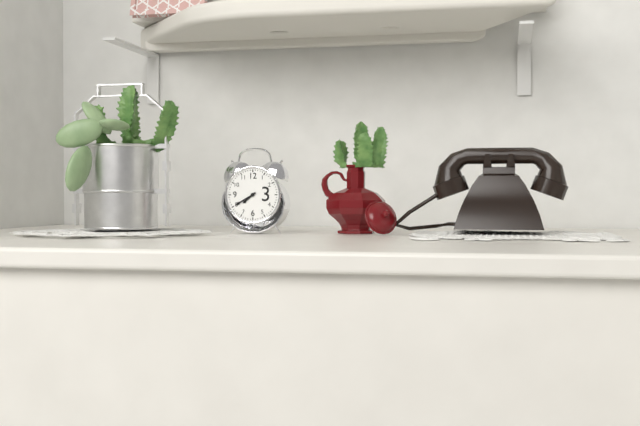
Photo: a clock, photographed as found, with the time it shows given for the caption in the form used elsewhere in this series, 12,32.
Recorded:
7,40
